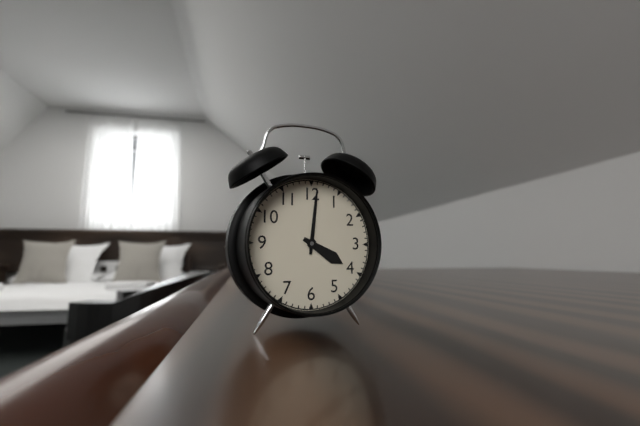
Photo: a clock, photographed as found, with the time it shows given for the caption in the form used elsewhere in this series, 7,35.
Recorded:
4,01
